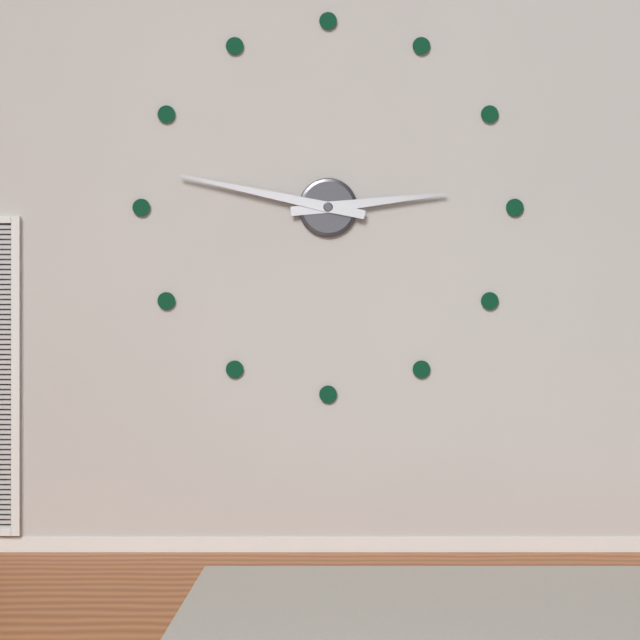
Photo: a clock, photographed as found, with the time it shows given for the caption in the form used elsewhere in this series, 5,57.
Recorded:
2,47
